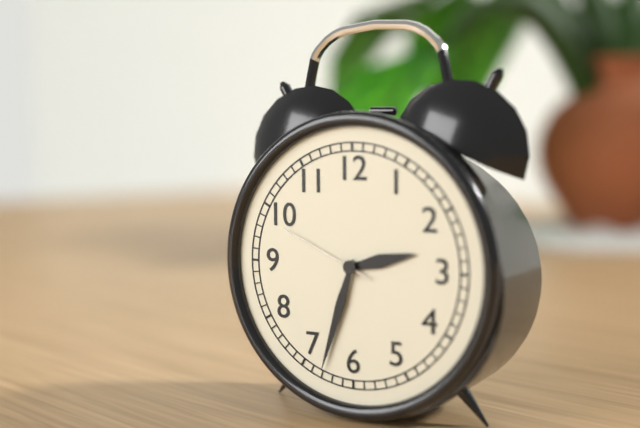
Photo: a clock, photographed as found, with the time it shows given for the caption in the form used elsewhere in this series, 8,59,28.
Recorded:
2,33,49
